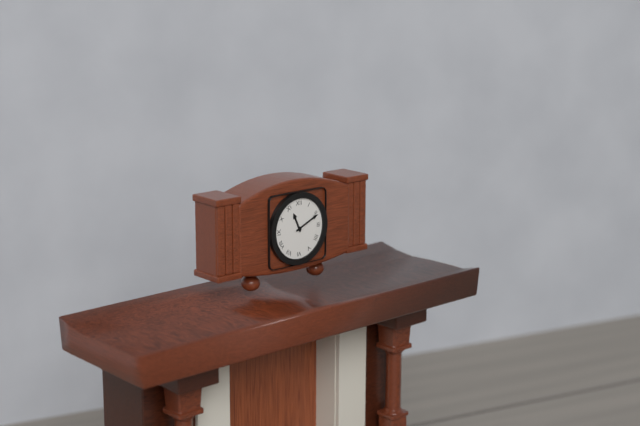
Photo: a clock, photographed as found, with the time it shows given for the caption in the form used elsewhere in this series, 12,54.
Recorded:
11,11
